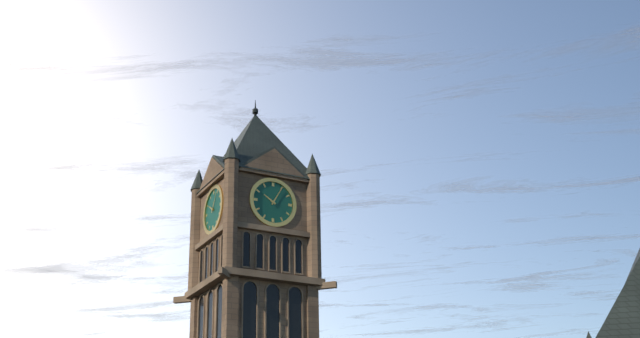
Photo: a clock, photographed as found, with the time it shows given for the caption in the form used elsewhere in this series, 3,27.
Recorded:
10,05
